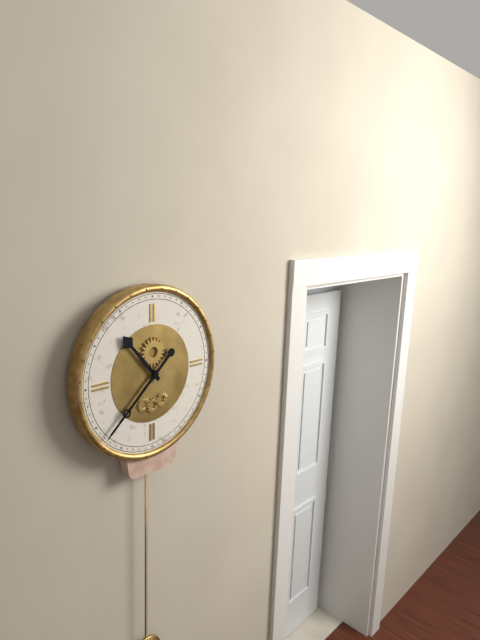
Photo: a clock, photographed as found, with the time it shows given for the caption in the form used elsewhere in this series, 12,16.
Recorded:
10,38
